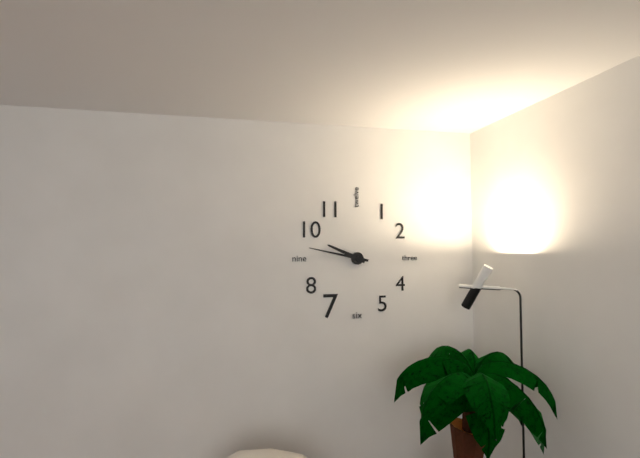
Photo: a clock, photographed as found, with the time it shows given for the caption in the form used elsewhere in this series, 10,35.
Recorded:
9,47
